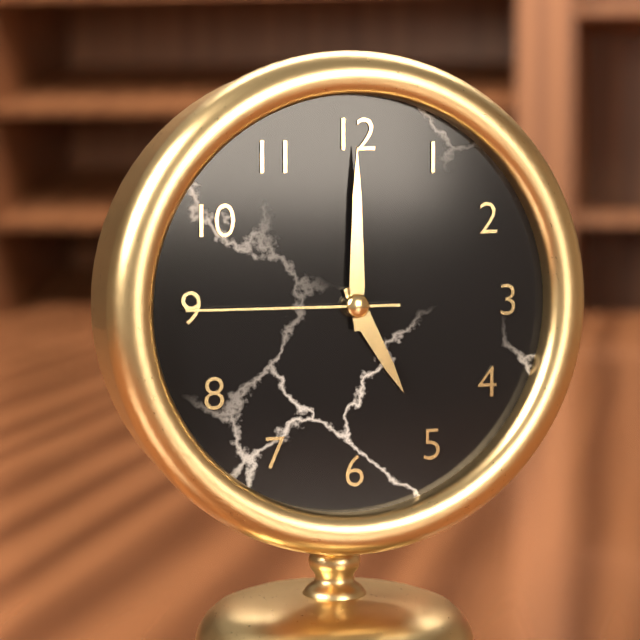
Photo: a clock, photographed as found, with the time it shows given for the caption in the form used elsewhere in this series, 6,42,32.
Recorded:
5,00,45
